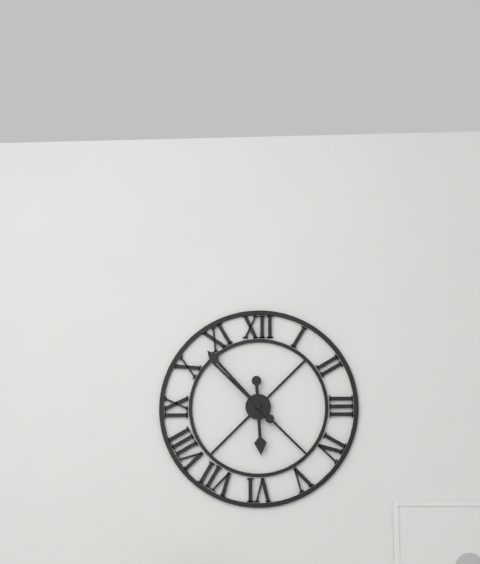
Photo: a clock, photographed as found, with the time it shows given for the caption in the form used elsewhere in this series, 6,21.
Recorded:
5,53
